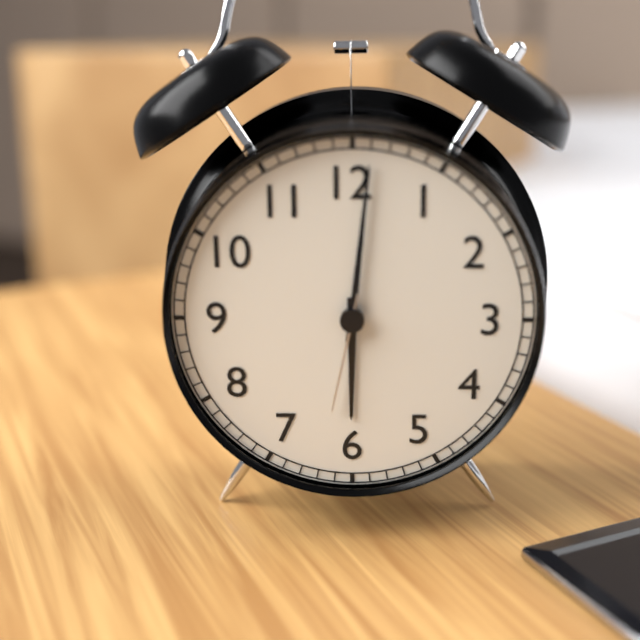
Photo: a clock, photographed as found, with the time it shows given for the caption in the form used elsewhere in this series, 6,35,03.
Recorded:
6,01,32
